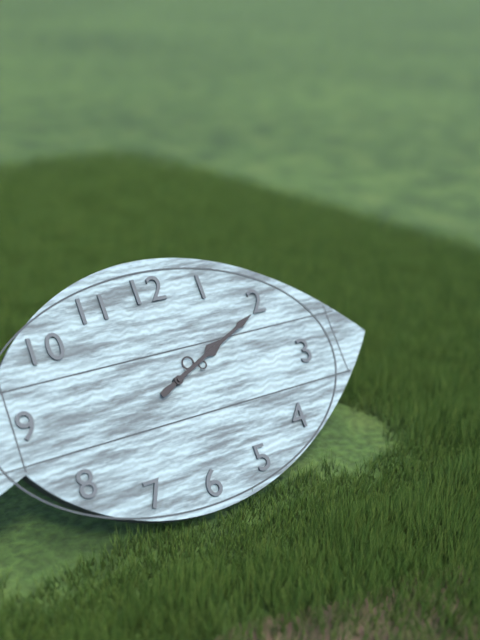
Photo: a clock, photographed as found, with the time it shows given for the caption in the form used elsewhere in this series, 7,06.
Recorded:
2,11
